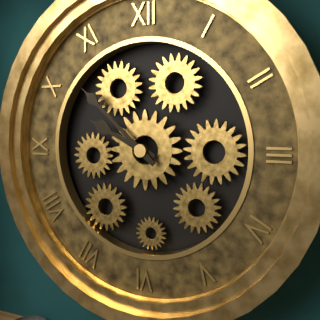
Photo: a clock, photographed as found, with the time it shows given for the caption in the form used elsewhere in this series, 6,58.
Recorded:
9,52
